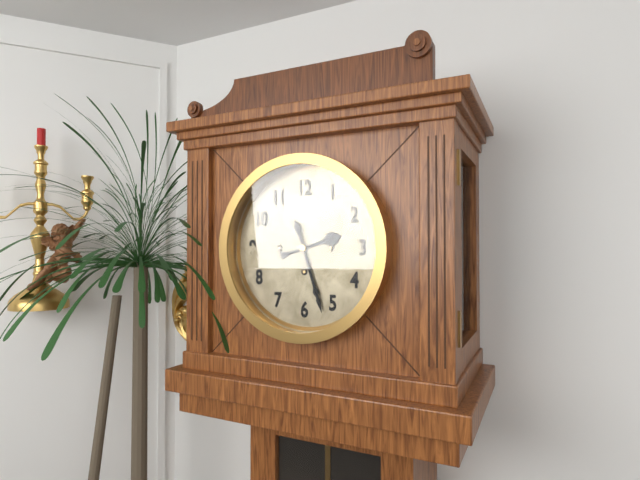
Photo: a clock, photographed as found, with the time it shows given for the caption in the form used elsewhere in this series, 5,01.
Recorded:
2,27
